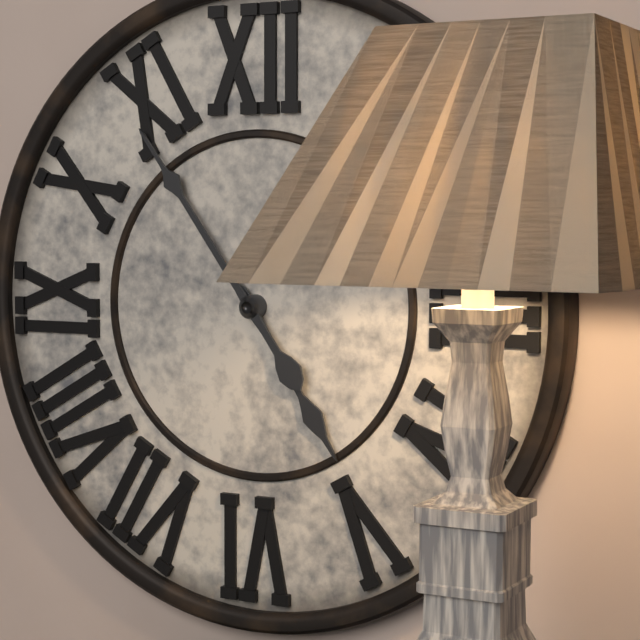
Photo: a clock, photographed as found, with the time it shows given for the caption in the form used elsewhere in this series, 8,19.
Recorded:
4,54
